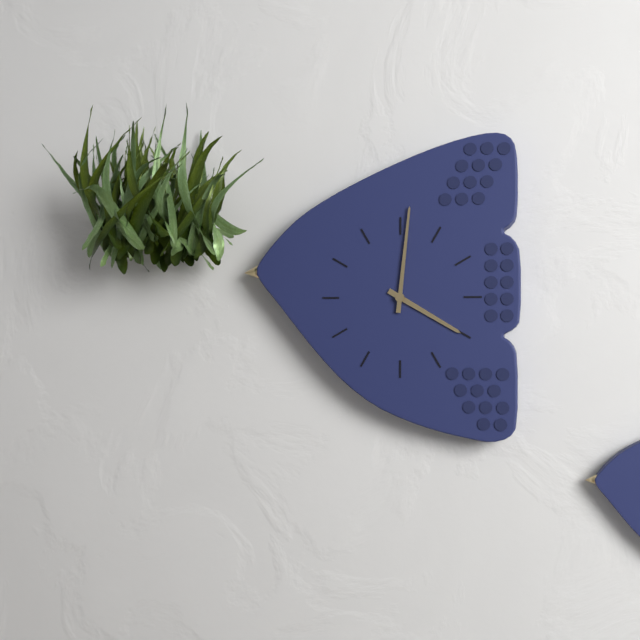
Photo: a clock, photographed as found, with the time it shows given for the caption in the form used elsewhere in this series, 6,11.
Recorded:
4,01
